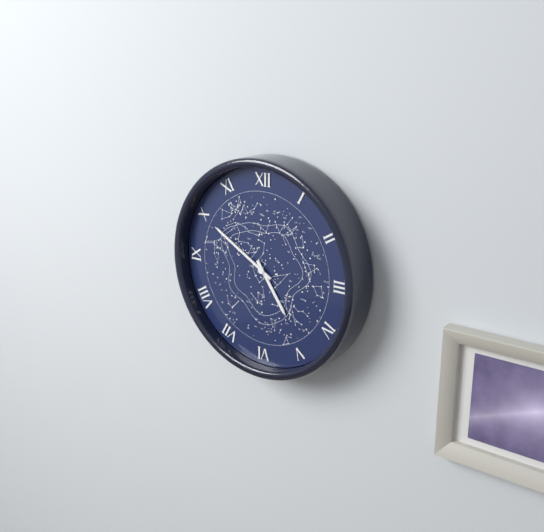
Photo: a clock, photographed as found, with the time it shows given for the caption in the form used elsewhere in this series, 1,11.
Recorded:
4,50
